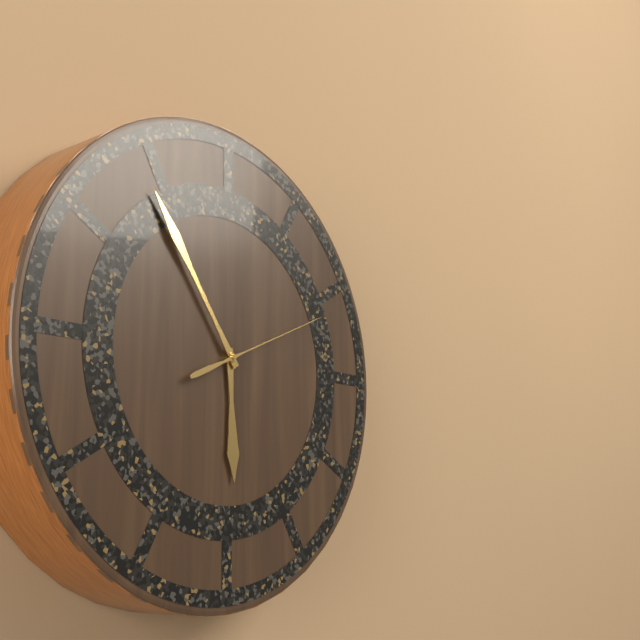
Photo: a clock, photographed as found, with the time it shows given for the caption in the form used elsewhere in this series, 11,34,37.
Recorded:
5,54,11
